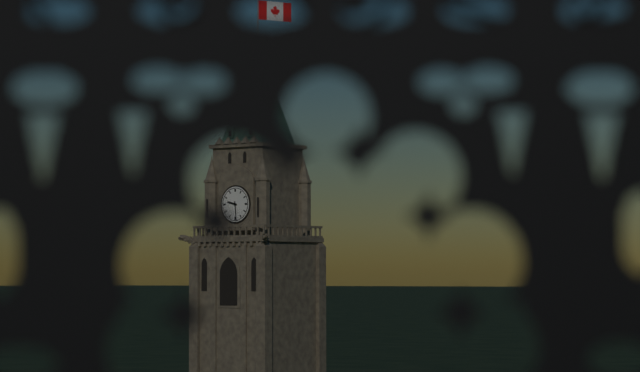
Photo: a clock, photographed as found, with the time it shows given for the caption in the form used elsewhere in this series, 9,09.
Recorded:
9,29
